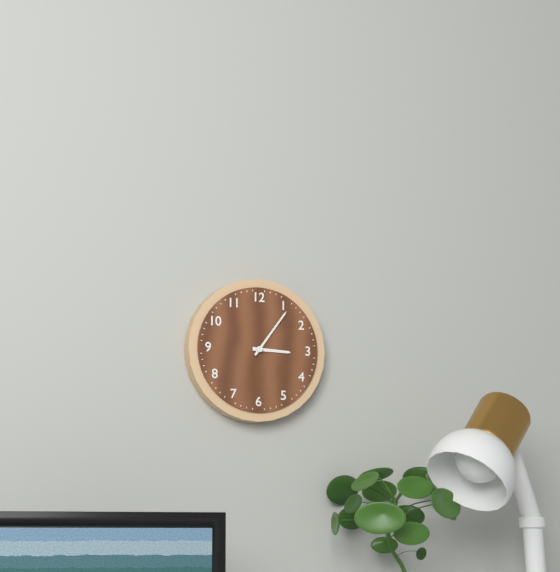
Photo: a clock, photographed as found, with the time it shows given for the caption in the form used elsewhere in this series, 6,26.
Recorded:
3,06
